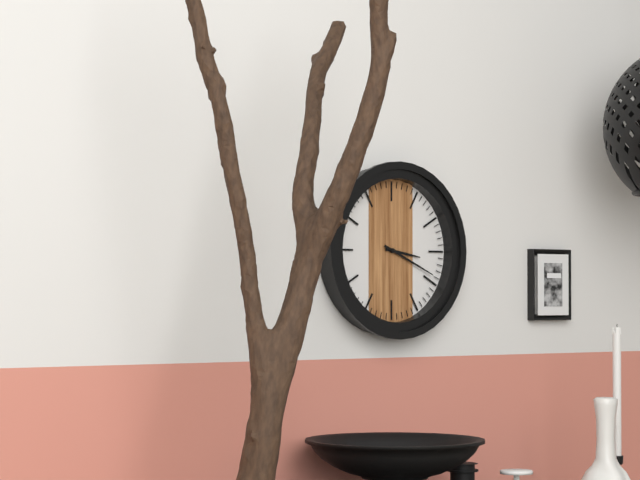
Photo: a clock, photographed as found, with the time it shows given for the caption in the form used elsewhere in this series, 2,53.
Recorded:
3,19
